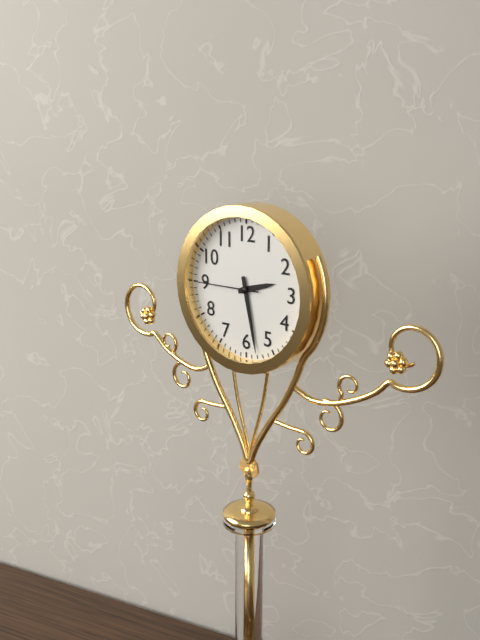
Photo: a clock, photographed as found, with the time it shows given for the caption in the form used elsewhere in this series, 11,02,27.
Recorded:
2,28,45
